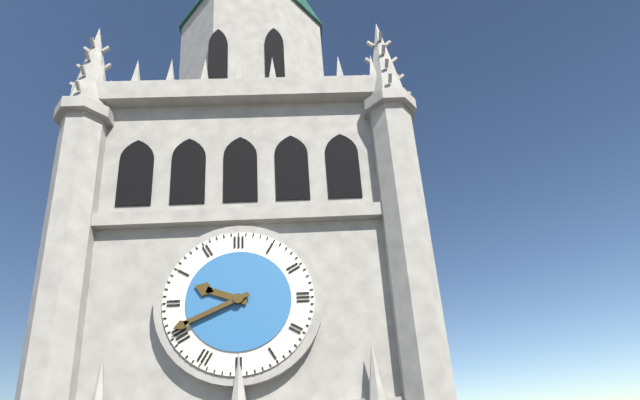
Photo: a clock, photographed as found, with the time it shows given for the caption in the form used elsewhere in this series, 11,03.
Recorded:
9,41
